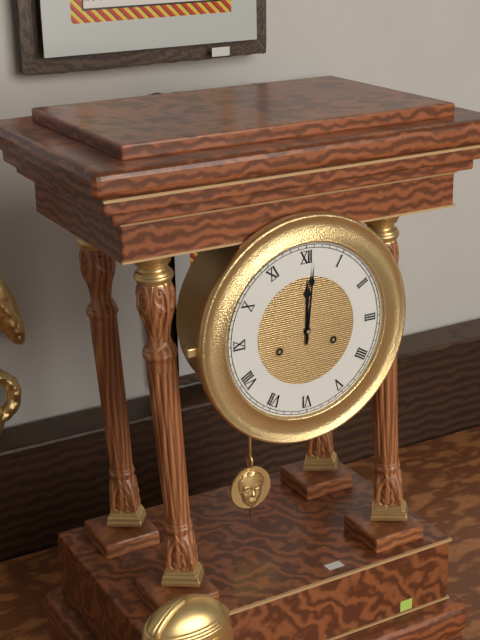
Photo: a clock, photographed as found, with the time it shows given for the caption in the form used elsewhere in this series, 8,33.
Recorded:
12,01
